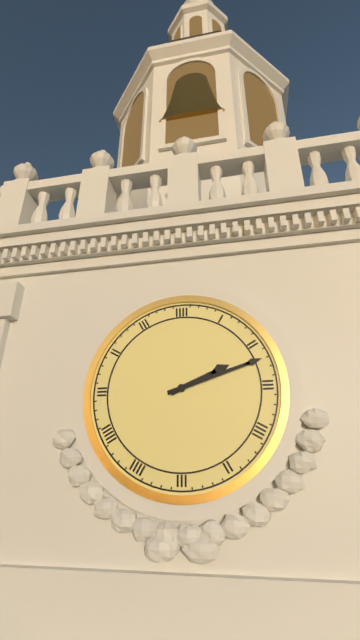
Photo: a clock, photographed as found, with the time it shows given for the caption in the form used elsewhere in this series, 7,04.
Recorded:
2,12
